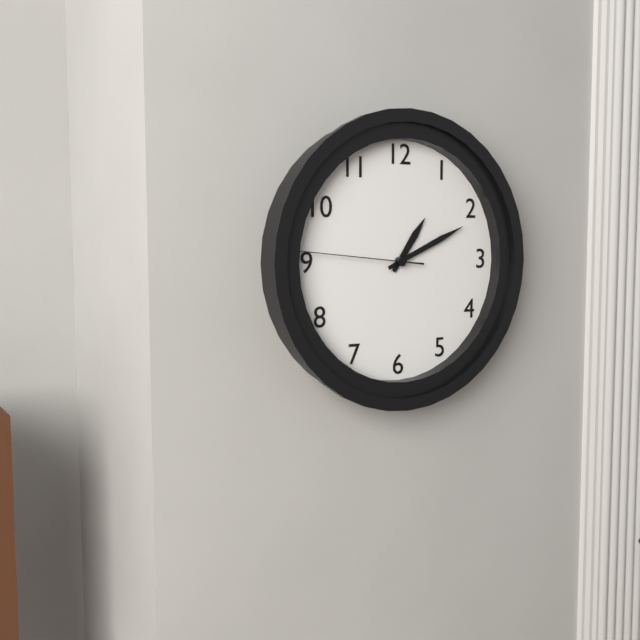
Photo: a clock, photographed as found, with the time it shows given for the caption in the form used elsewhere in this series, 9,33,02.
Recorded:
1,11,46
